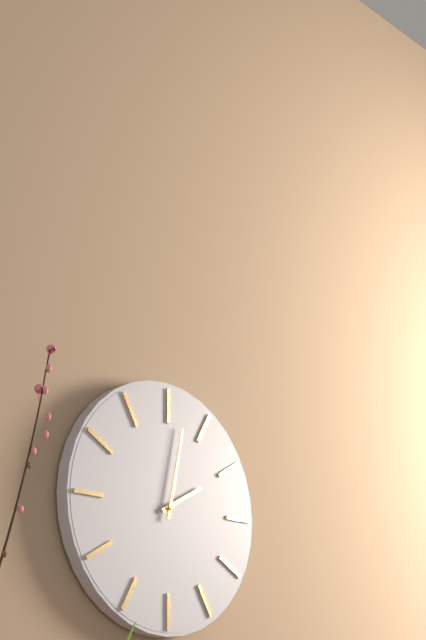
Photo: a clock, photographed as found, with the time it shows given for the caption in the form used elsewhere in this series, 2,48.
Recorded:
2,02
